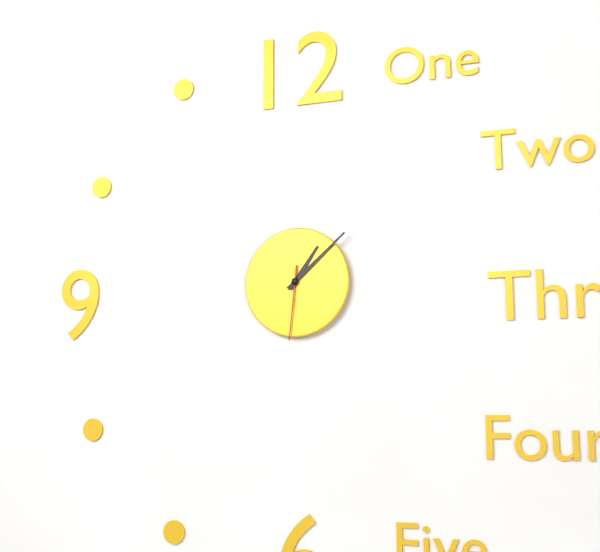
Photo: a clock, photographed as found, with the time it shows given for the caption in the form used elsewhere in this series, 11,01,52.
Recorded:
1,08,31
